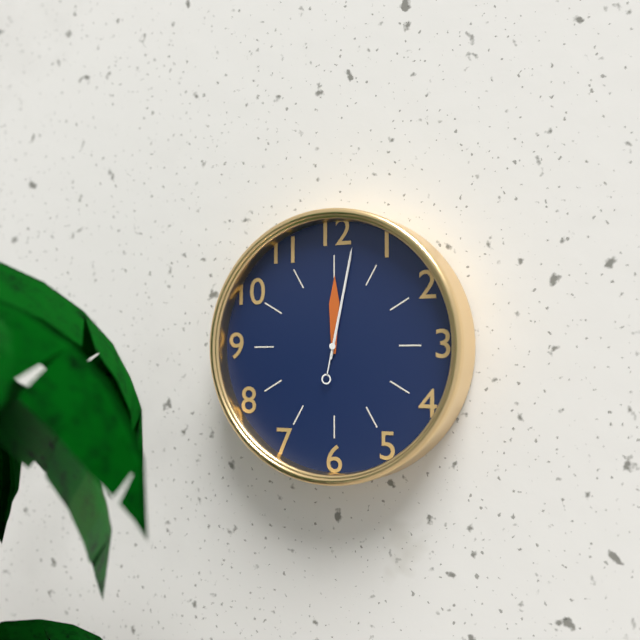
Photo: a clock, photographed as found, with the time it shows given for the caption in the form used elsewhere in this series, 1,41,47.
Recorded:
12,02,02
